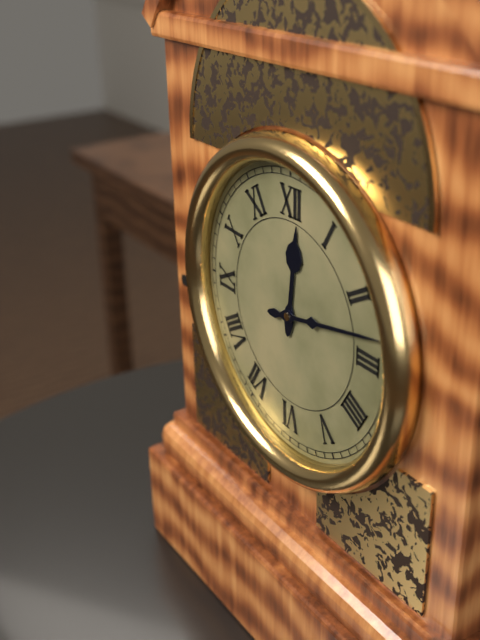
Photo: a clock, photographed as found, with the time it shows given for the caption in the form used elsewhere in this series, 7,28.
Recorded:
12,13
